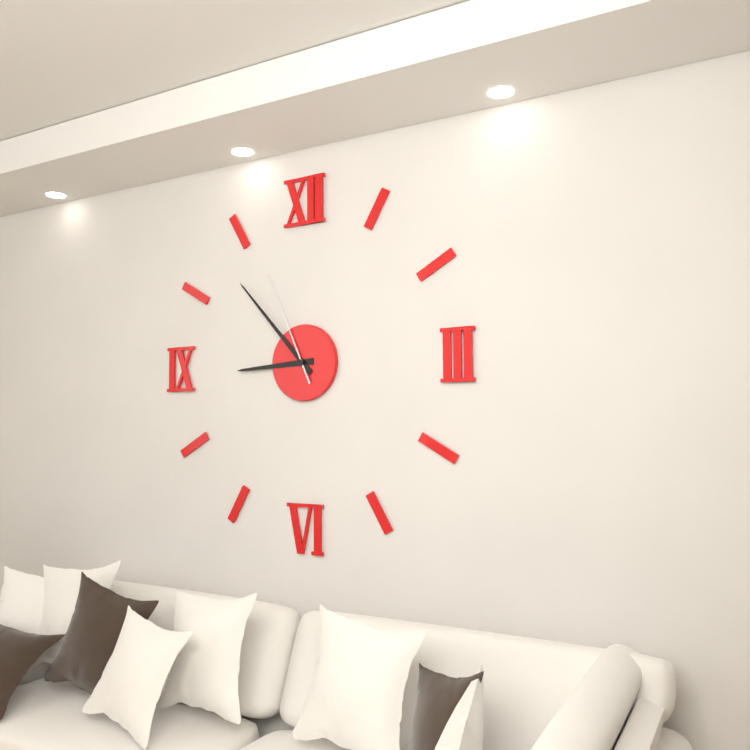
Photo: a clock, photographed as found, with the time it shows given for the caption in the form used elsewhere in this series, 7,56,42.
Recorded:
8,53,56
